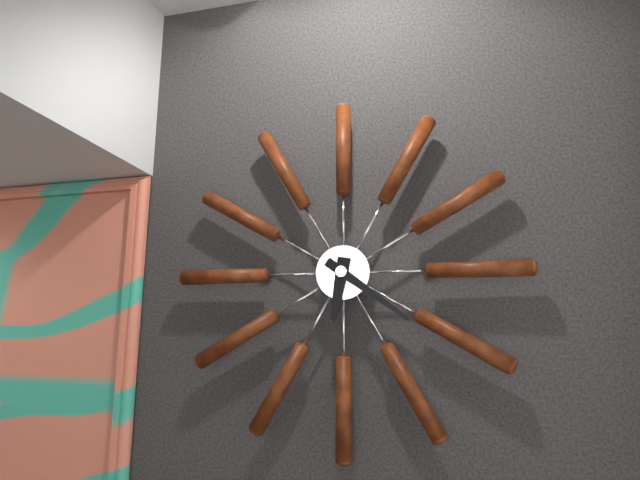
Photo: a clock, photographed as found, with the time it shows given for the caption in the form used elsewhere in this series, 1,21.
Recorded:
6,21
